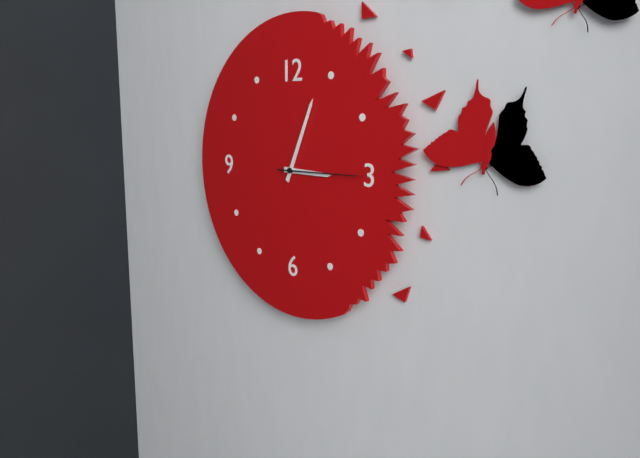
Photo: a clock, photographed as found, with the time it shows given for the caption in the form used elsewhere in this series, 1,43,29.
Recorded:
3,04,15
